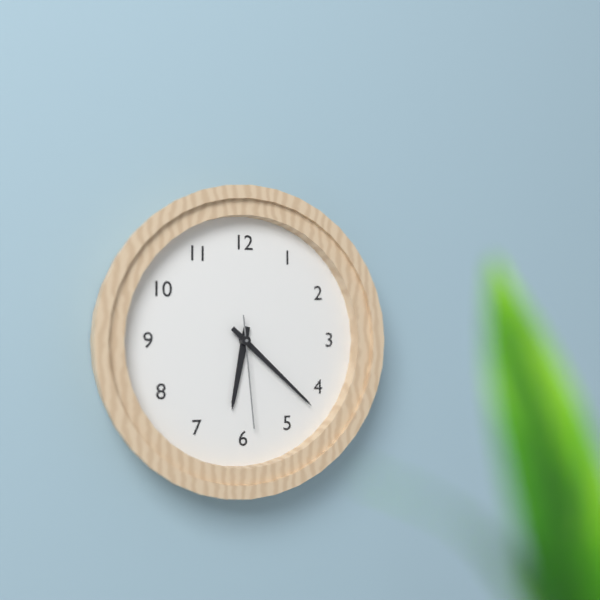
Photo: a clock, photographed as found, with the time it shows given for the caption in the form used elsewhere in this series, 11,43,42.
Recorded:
6,22,29
